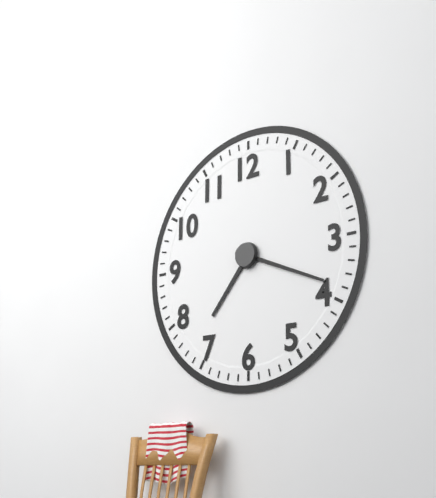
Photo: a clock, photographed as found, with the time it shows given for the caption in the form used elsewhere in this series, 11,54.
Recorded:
7,19
